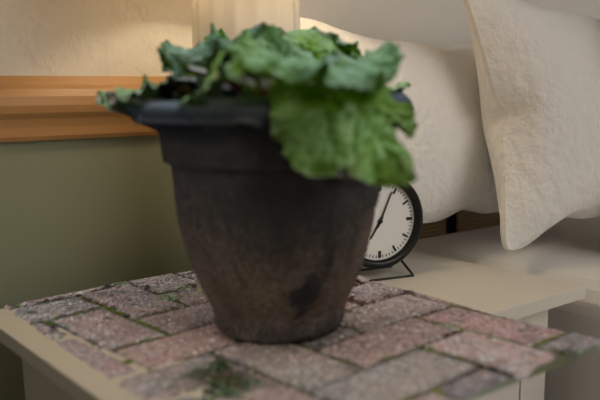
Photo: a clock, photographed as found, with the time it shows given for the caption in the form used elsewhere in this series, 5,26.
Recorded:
7,04
